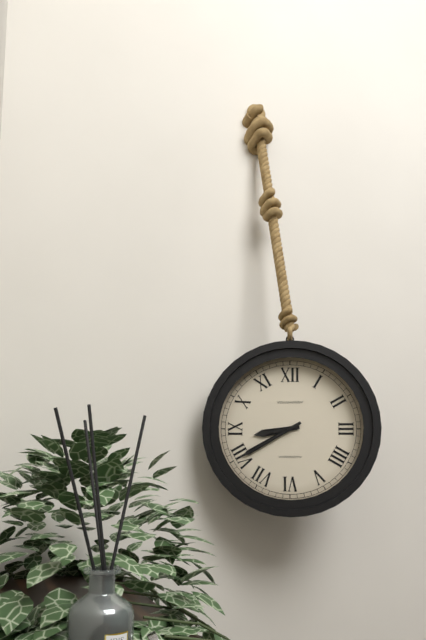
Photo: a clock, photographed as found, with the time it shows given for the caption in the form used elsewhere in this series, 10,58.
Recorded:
8,40
